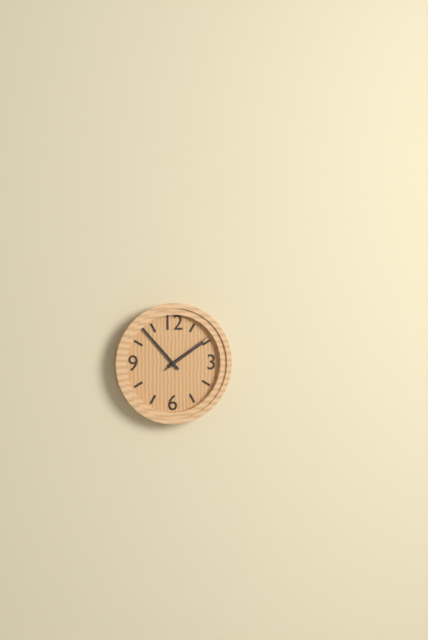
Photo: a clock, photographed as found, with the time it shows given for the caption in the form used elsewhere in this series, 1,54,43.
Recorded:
1,53,09
